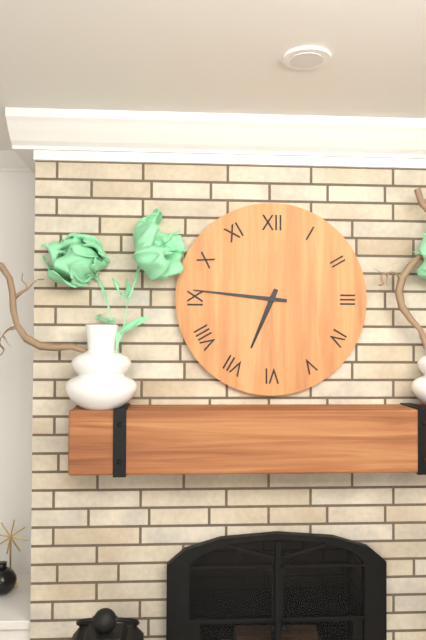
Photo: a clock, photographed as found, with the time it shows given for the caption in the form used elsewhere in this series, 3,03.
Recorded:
6,46
